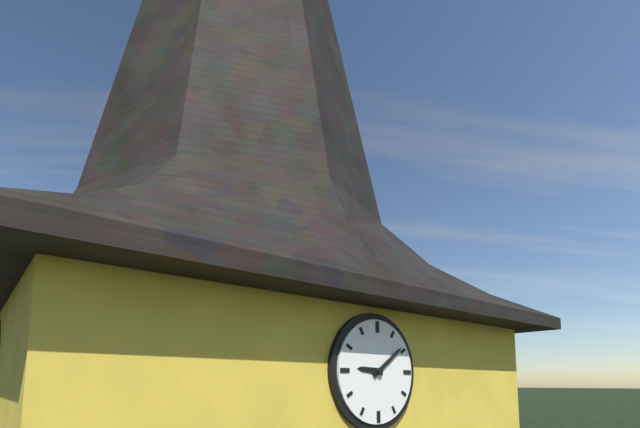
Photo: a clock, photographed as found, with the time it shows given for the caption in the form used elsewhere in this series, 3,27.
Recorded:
9,09
